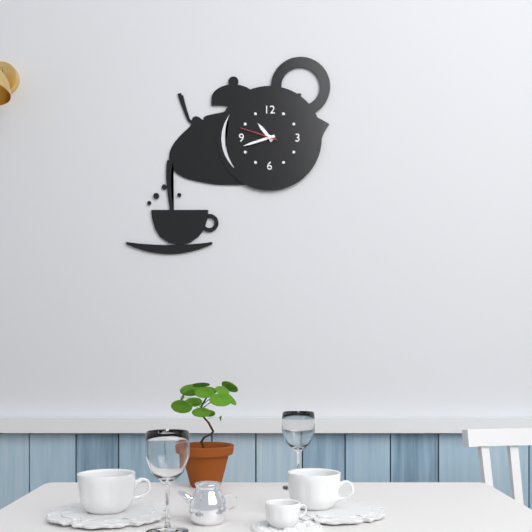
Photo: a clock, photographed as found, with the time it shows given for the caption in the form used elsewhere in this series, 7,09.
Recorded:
10,42
